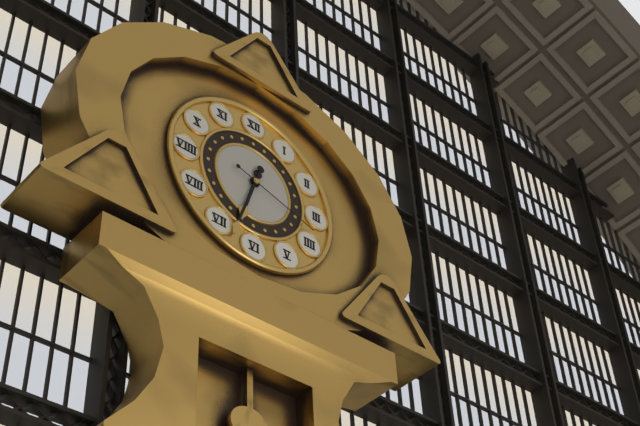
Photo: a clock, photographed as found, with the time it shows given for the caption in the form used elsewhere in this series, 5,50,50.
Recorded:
6,33,18
